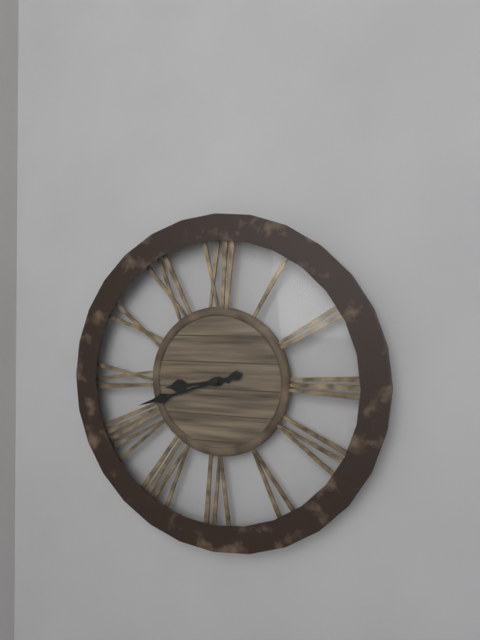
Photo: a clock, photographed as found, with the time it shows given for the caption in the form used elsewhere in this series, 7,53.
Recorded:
8,42
